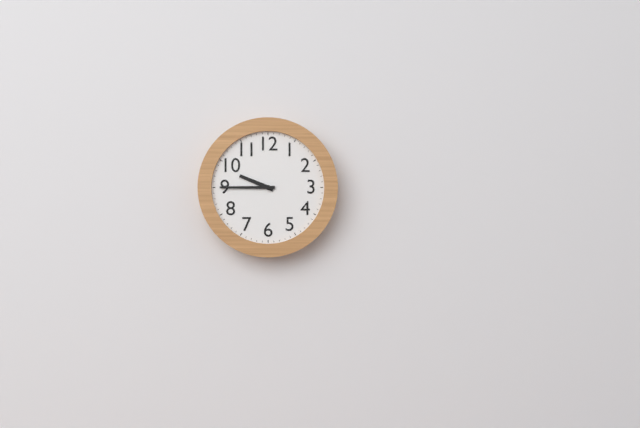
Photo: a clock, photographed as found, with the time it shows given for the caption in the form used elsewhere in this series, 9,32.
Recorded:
9,45
